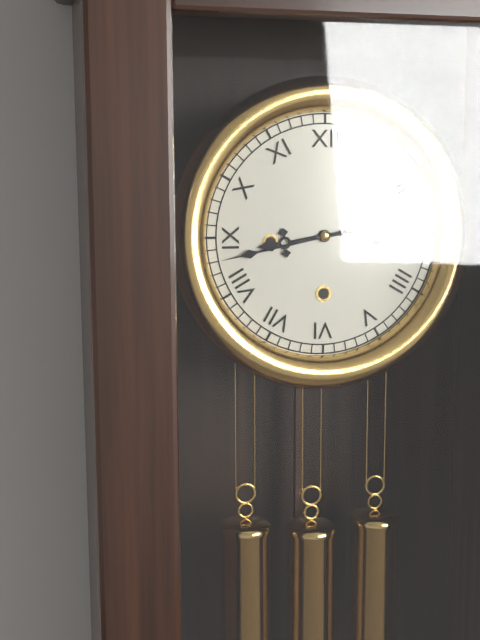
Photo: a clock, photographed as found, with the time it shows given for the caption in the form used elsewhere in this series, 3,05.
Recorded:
8,43
